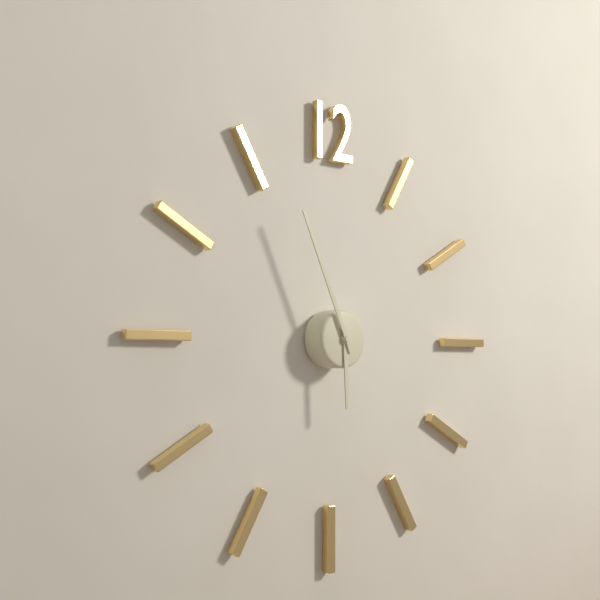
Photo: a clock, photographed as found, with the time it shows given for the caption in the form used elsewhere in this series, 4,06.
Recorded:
5,56
